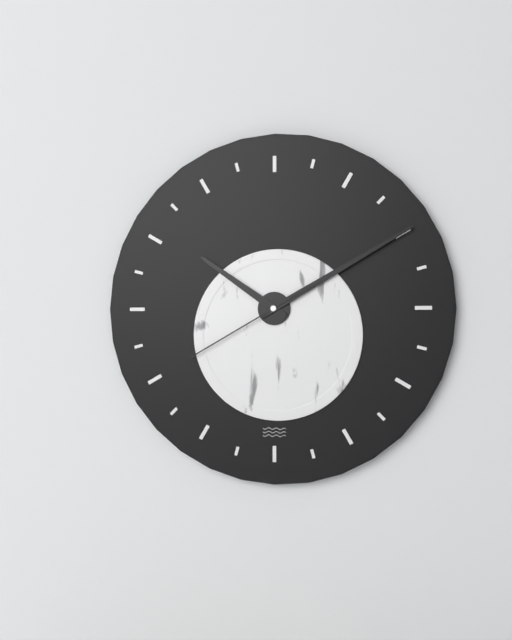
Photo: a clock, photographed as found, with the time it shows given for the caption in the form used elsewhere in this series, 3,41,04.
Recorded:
10,10,40
